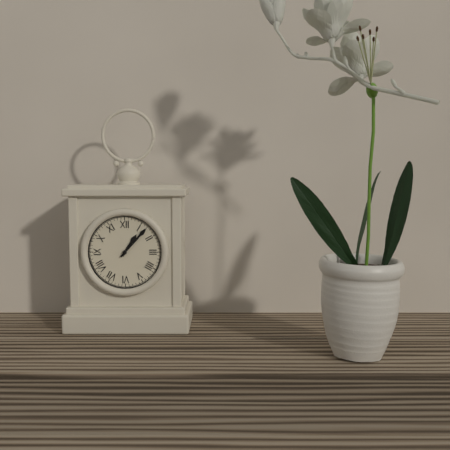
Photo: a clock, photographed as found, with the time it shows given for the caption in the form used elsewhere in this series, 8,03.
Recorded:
1,07
